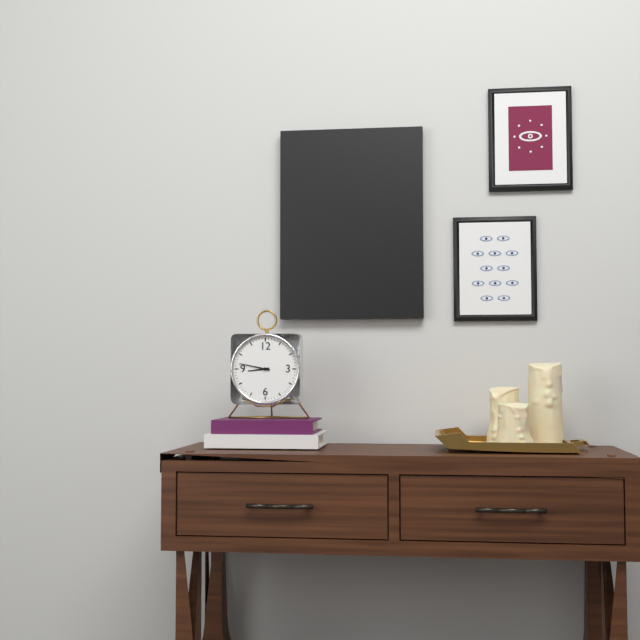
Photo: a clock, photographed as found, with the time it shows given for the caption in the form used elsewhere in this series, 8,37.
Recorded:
8,47
